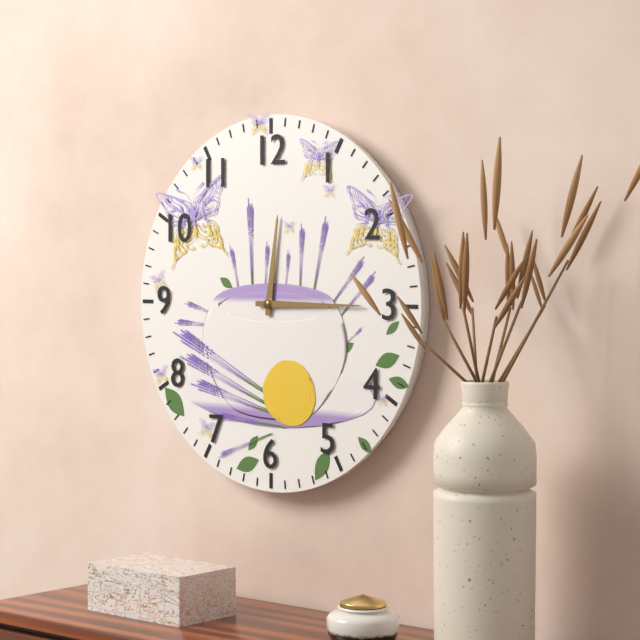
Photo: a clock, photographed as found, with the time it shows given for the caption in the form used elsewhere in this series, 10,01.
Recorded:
12,15
